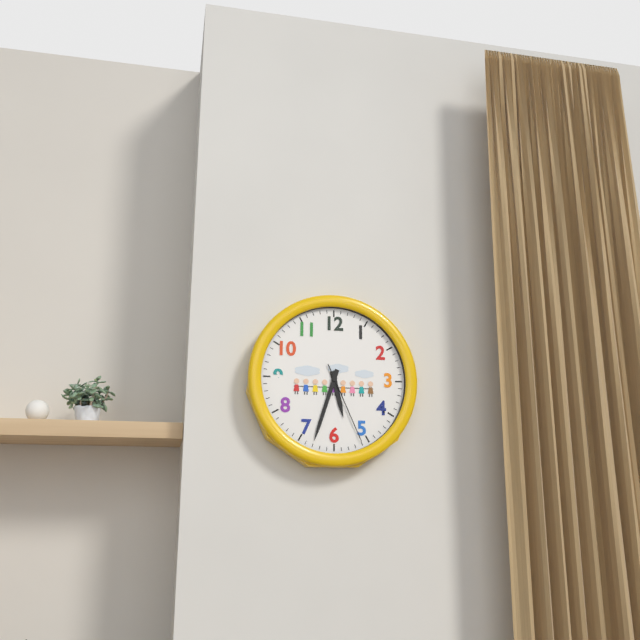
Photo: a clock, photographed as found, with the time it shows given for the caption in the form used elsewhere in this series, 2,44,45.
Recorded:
5,33,26
